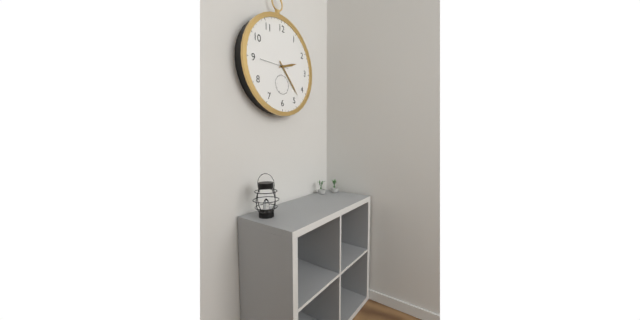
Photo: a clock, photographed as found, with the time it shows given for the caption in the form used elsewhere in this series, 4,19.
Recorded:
2,23
